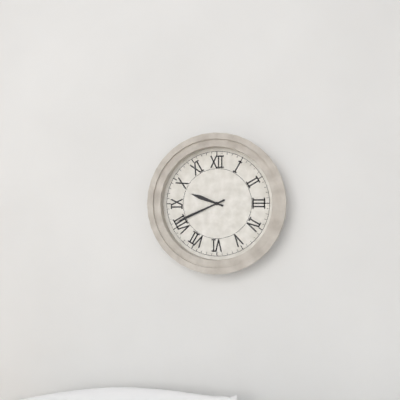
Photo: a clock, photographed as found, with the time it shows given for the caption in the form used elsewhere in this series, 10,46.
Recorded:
9,41
